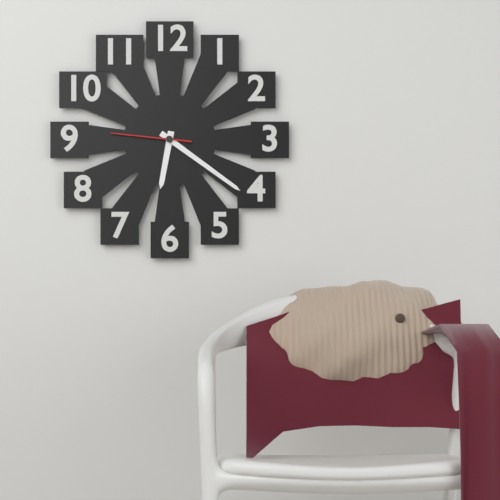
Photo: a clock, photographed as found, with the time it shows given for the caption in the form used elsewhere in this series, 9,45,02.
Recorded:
6,21,46
